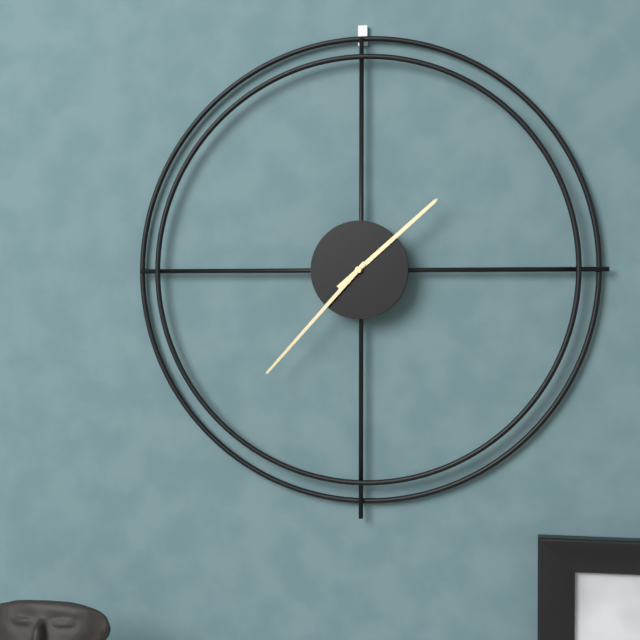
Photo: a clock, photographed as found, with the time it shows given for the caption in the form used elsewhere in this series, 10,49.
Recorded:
1,37
